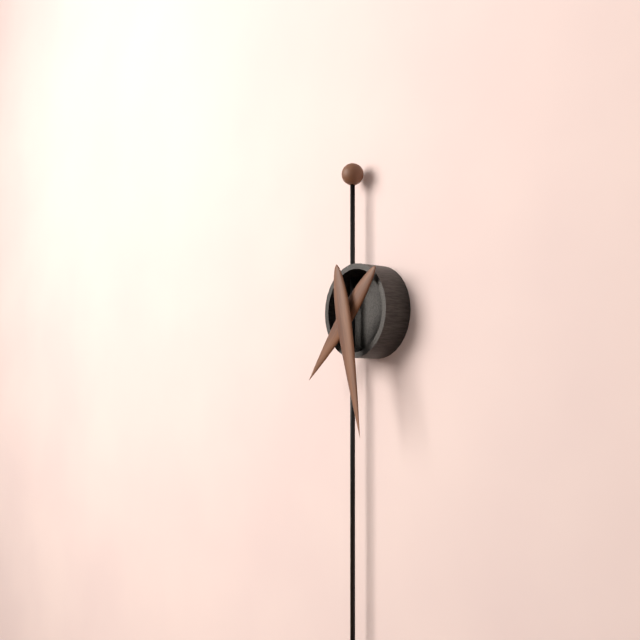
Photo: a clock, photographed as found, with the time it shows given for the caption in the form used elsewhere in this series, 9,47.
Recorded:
7,28
